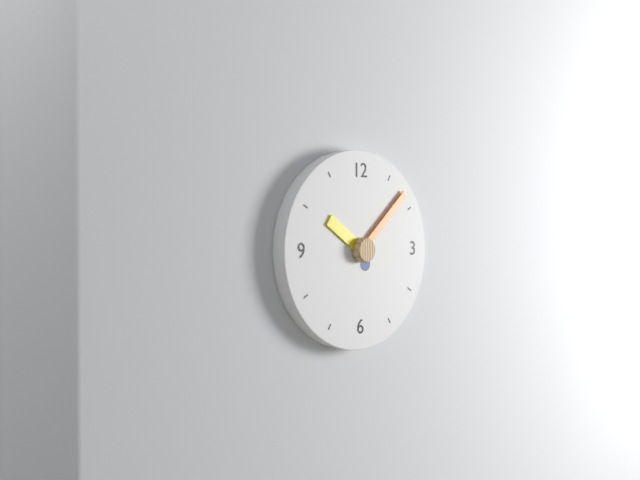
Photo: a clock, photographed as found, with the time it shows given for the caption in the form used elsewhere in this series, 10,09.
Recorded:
10,08
